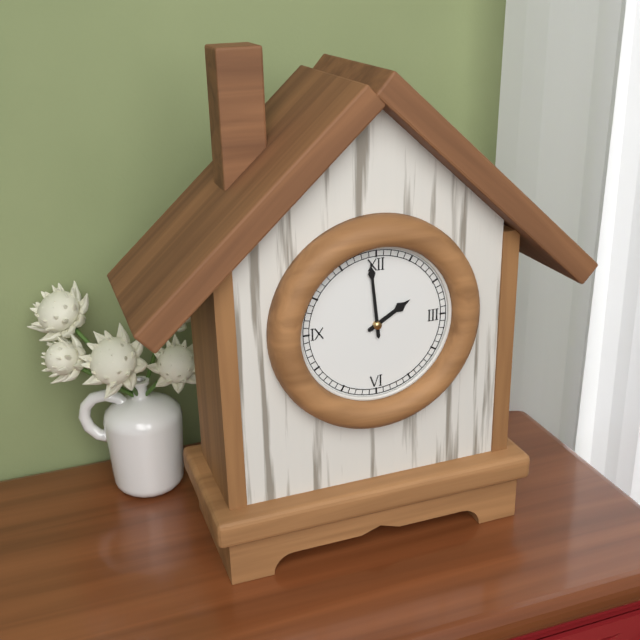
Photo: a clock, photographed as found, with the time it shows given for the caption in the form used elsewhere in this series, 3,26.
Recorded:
1,59
